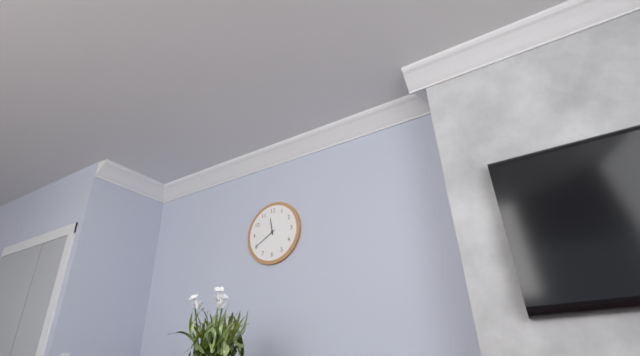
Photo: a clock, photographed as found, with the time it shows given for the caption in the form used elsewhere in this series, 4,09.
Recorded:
11,40
